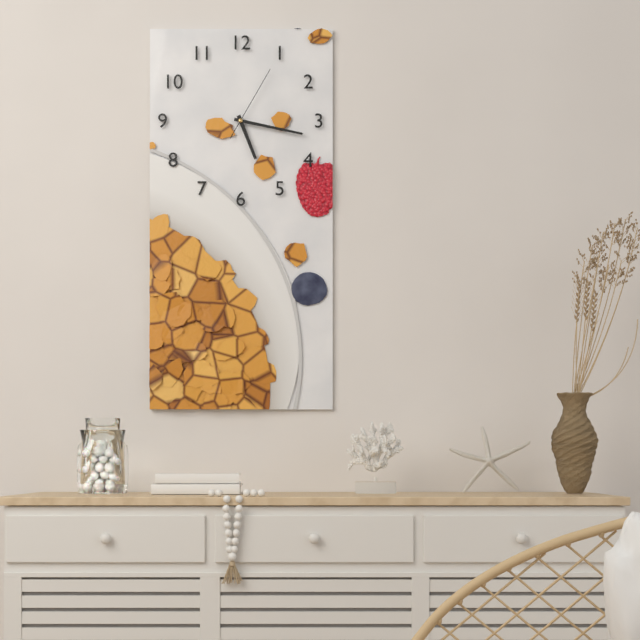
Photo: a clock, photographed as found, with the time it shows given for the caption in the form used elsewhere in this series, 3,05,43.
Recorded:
5,17,05
